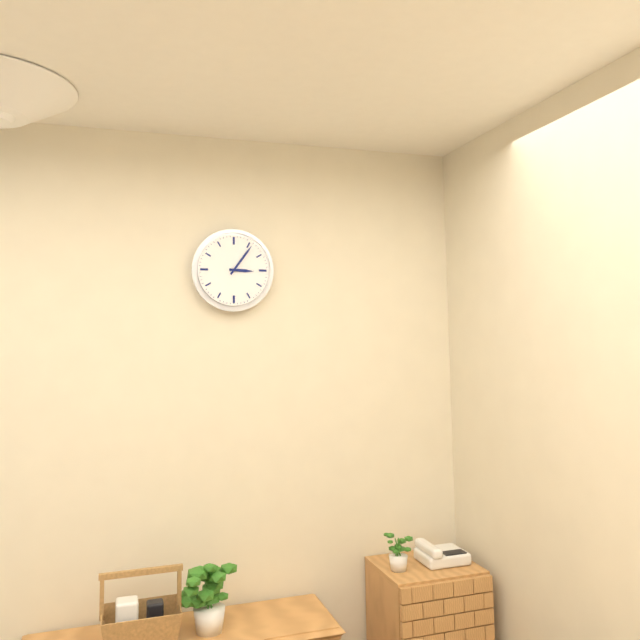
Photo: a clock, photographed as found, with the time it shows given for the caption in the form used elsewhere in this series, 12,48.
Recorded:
3,06
